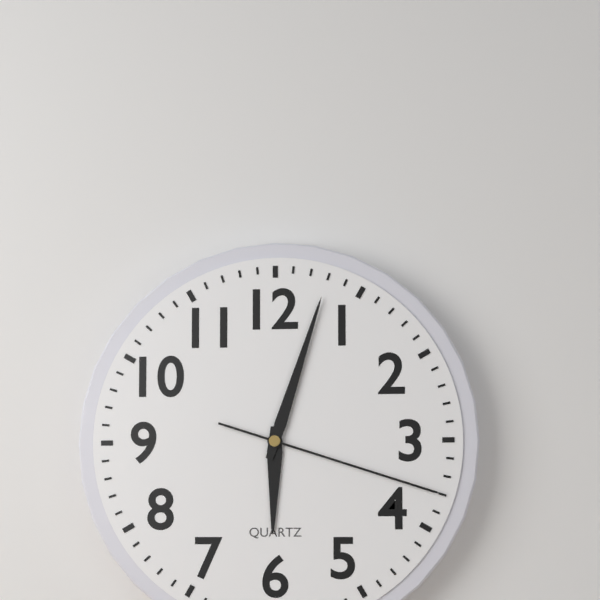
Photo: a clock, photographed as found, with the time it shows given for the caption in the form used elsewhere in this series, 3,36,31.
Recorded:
6,03,18
